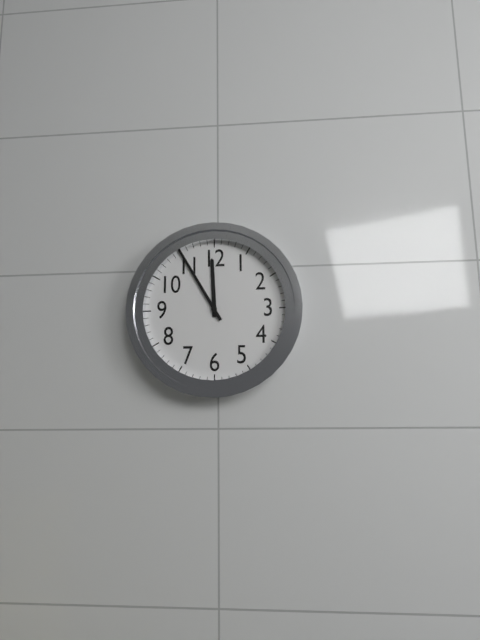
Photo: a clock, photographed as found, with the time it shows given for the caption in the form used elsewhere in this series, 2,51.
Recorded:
11,55
